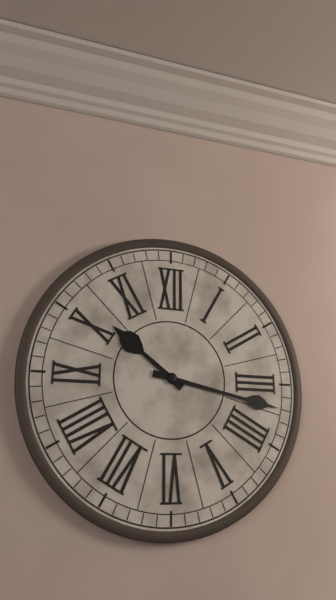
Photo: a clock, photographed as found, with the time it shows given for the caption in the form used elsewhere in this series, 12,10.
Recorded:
10,17
